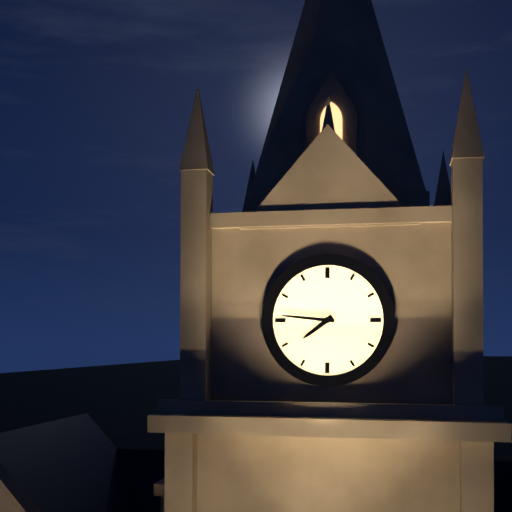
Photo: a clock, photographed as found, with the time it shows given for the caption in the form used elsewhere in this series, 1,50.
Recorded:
7,46
